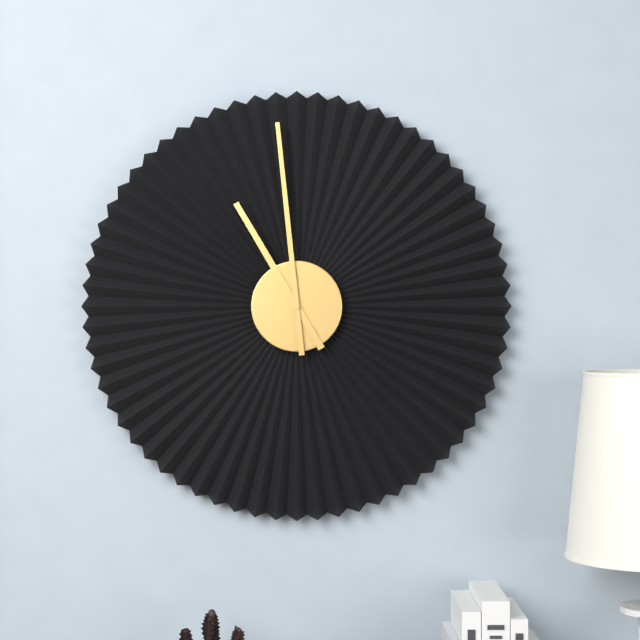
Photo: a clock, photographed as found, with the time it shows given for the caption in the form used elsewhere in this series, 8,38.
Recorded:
10,59
